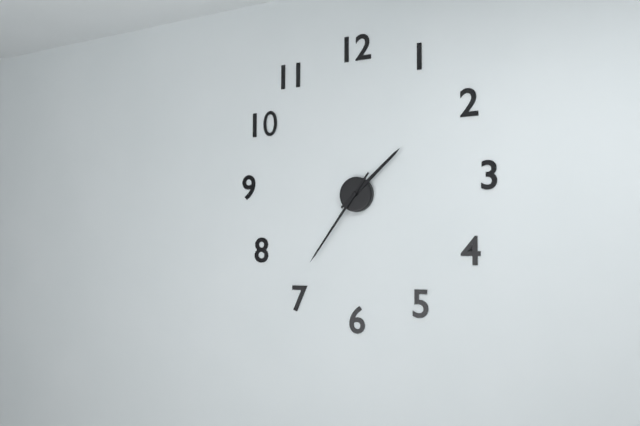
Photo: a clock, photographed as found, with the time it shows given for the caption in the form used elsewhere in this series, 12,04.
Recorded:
1,36
